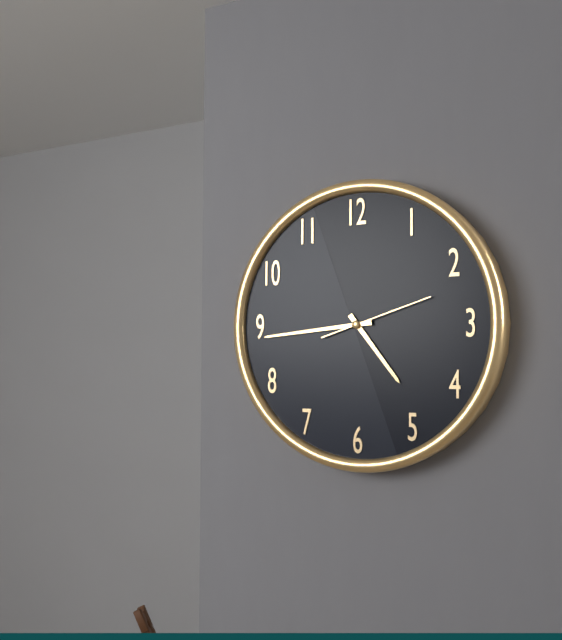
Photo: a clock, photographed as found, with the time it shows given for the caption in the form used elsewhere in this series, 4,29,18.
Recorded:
4,44,12
